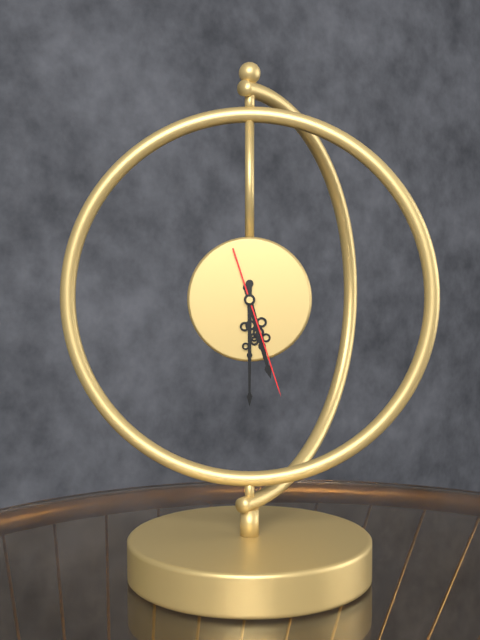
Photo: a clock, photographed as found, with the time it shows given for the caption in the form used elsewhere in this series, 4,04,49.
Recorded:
5,30,27
